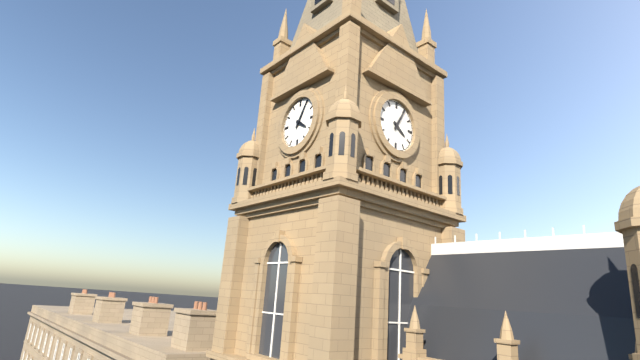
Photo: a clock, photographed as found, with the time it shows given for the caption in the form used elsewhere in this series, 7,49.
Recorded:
4,05
